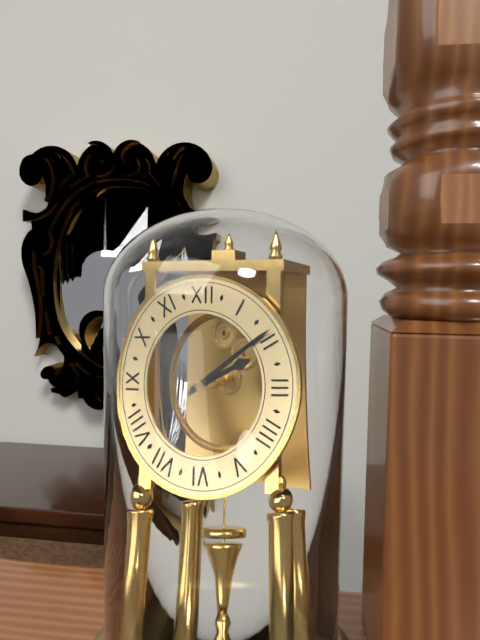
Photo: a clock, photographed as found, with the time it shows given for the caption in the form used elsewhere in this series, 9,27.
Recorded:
2,09
